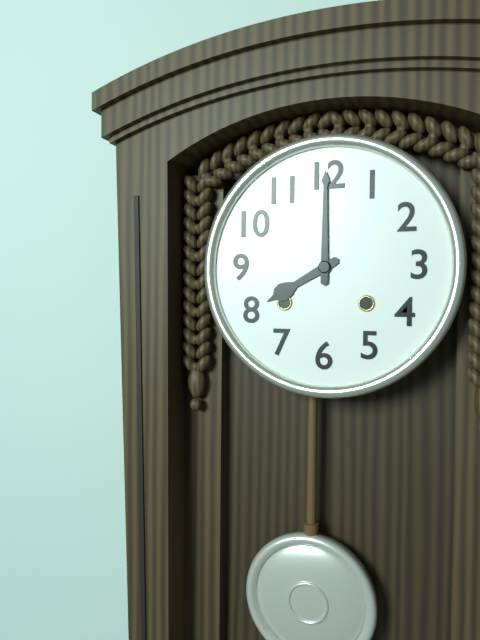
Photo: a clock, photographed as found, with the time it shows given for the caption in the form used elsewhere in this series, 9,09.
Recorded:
8,00
